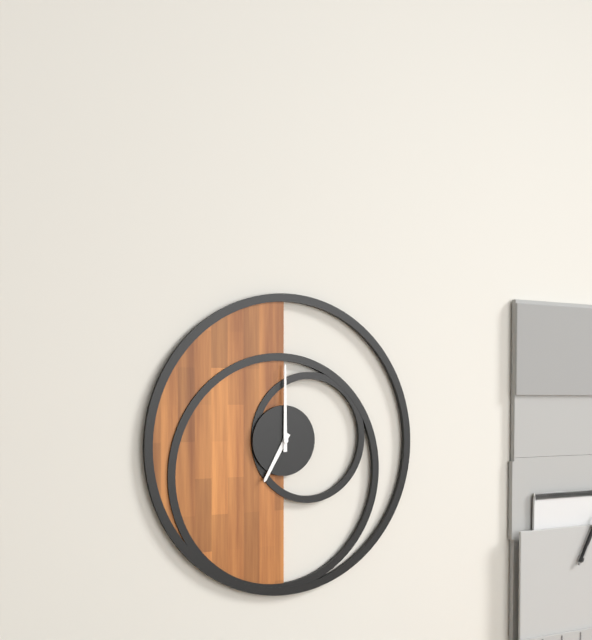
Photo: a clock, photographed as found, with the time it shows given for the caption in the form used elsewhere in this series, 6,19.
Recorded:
7,00
